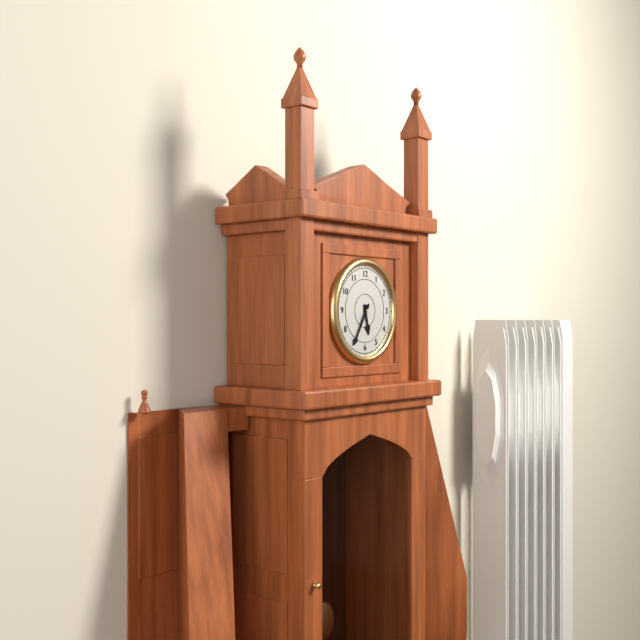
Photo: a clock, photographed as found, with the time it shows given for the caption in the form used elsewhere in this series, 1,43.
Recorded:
5,35
